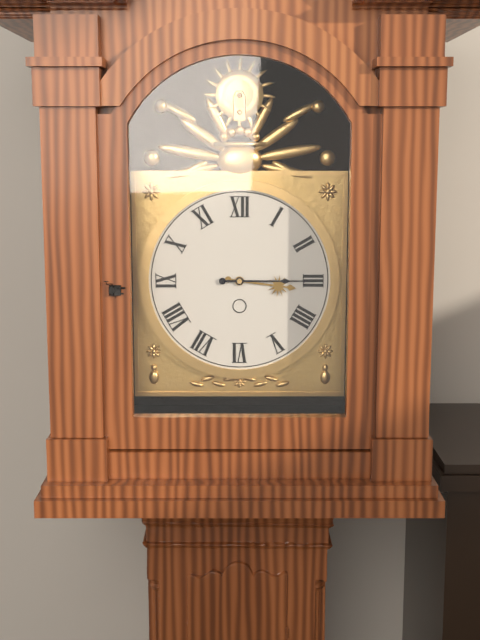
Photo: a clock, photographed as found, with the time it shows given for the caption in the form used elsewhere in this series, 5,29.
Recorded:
3,15
